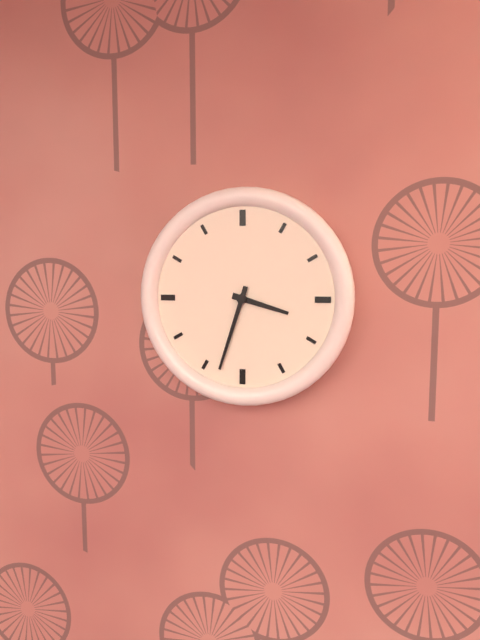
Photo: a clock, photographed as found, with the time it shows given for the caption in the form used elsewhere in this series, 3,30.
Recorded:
3,33
